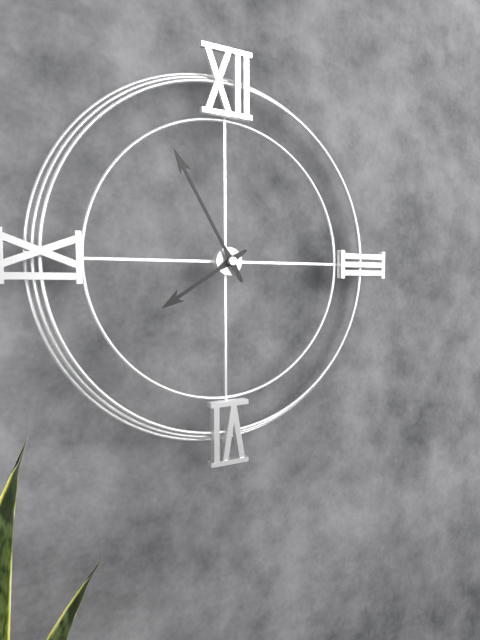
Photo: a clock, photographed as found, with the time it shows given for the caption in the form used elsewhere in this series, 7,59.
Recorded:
7,55
